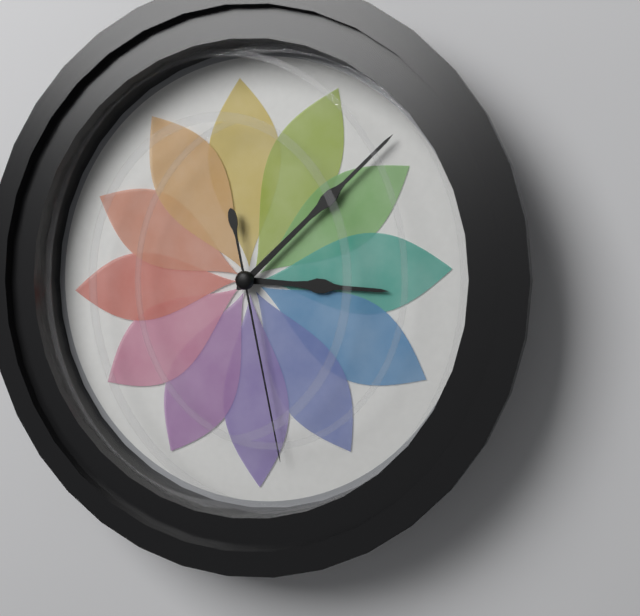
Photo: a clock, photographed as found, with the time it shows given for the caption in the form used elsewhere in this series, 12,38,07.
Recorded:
3,08,28
